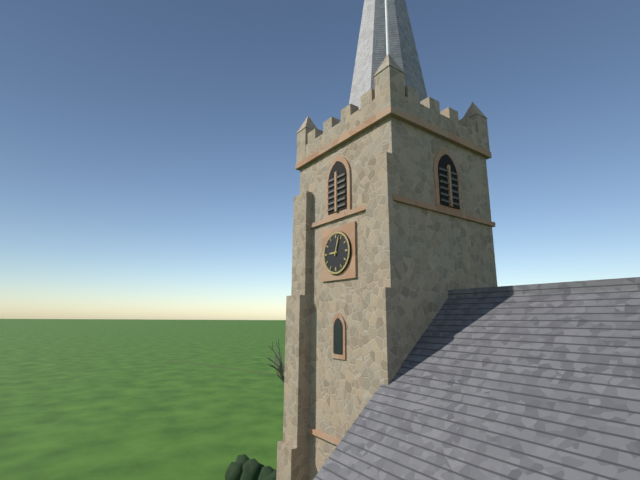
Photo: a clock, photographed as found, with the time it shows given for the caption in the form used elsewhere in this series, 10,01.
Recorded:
9,03
